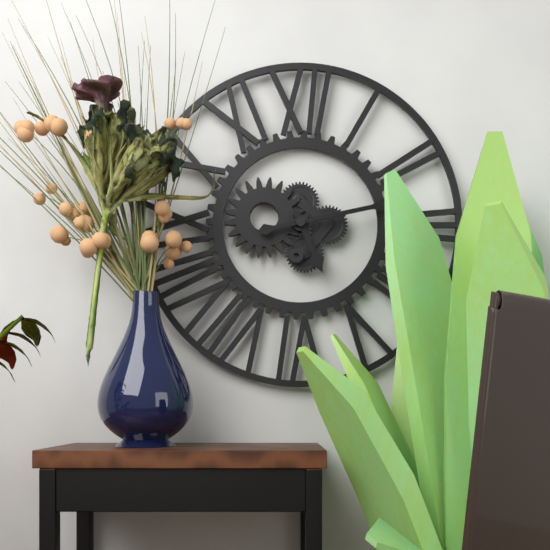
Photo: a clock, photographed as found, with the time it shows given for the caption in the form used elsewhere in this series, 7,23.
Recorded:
5,13
